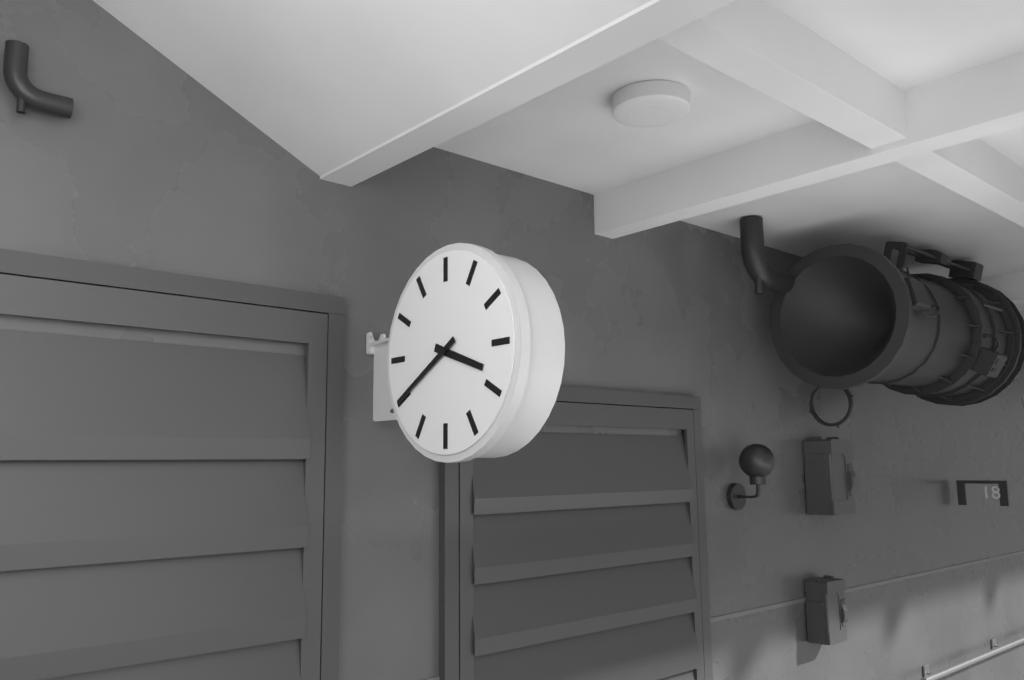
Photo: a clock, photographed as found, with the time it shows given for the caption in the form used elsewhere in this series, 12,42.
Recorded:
3,40
